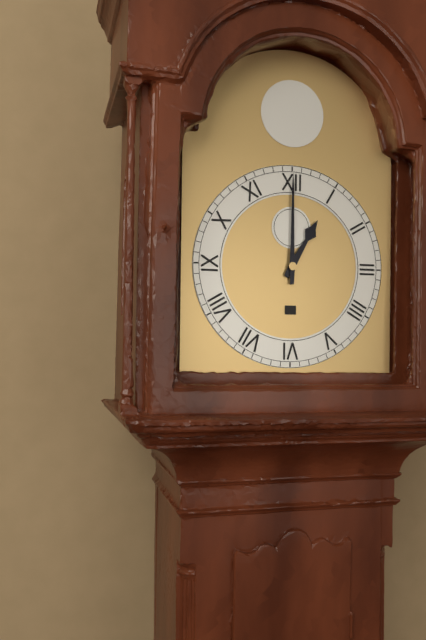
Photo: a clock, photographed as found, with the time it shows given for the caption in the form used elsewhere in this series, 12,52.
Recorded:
1,00
